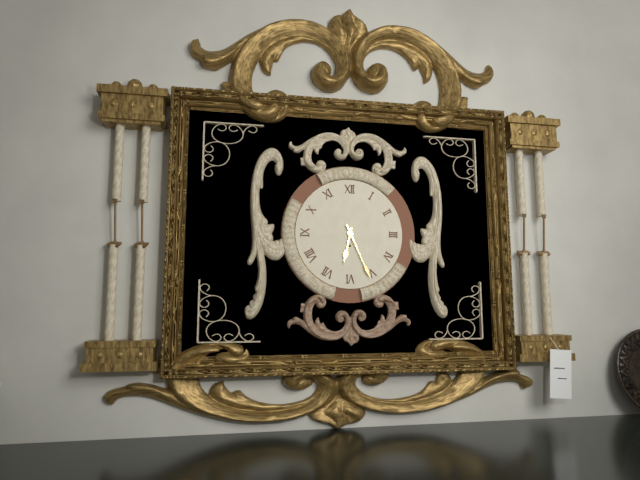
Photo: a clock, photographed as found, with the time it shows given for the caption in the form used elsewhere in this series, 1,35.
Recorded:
6,26
